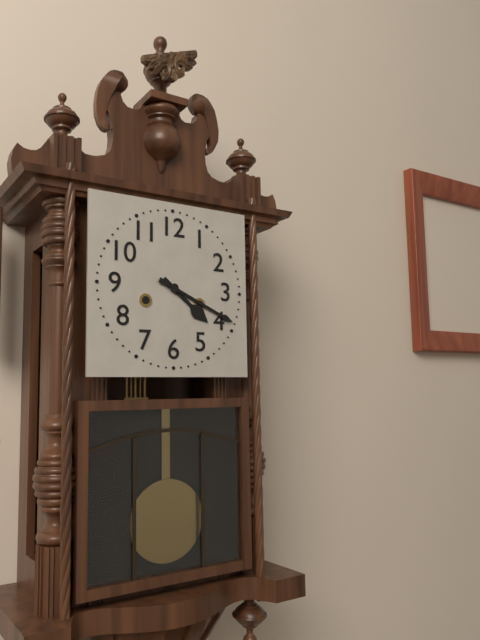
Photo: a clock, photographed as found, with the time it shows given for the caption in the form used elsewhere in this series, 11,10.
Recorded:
4,19
